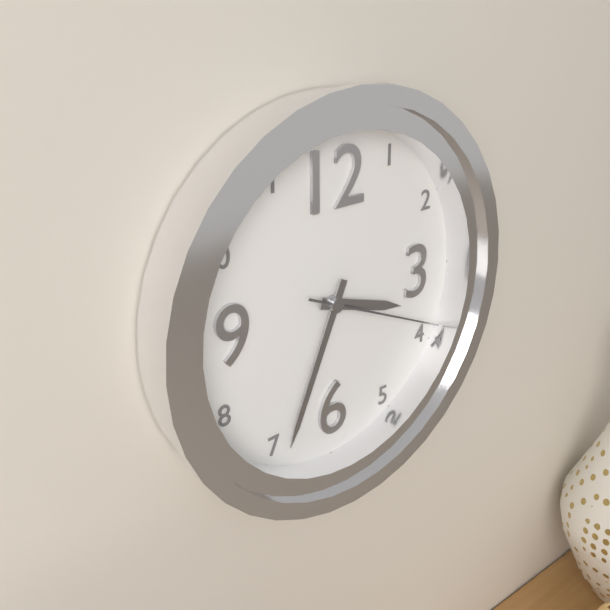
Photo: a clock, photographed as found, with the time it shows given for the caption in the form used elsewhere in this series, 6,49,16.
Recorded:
3,34,19
